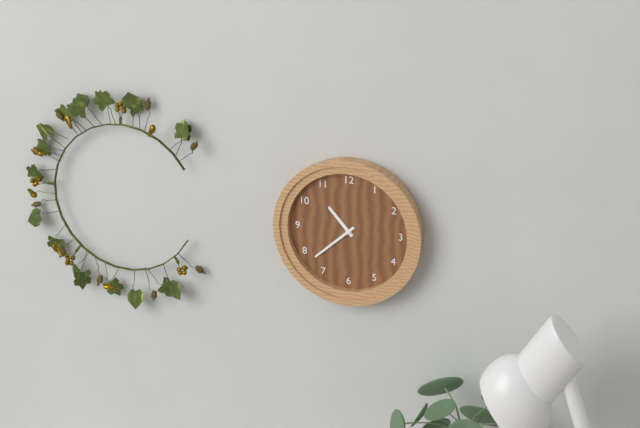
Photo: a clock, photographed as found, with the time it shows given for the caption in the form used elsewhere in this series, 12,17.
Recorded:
10,38
